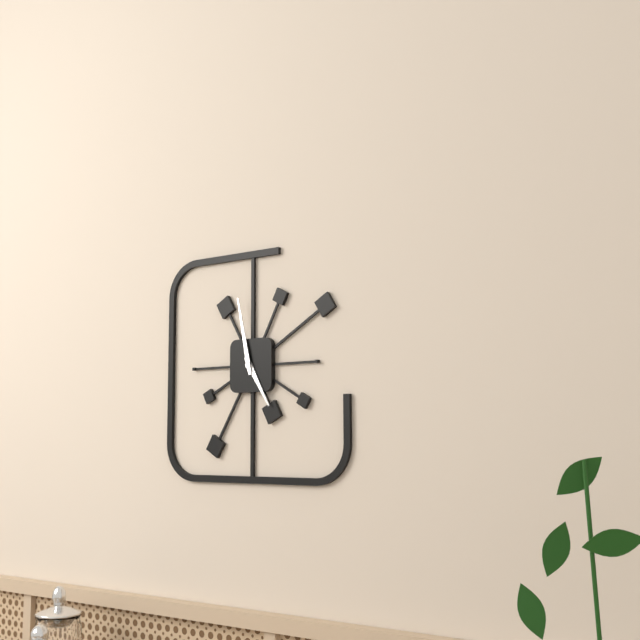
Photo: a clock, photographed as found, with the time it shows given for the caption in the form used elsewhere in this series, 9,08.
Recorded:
4,58
